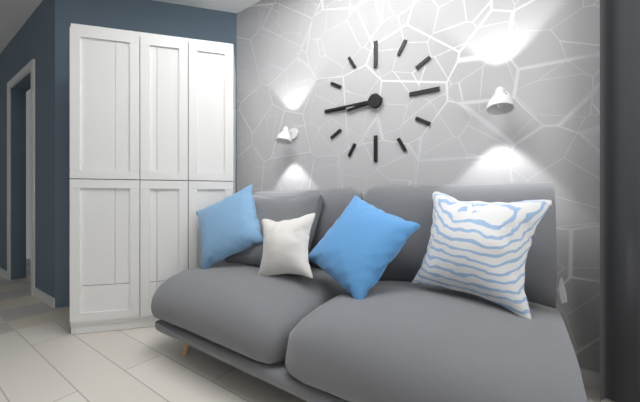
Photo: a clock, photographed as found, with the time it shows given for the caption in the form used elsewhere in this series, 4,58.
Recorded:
8,45
